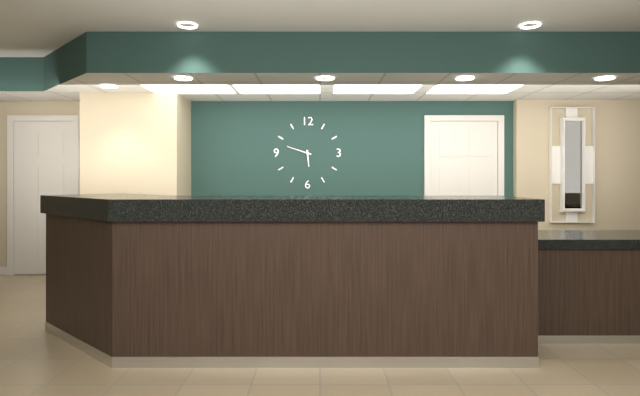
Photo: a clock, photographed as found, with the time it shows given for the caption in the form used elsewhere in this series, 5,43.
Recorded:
5,48
